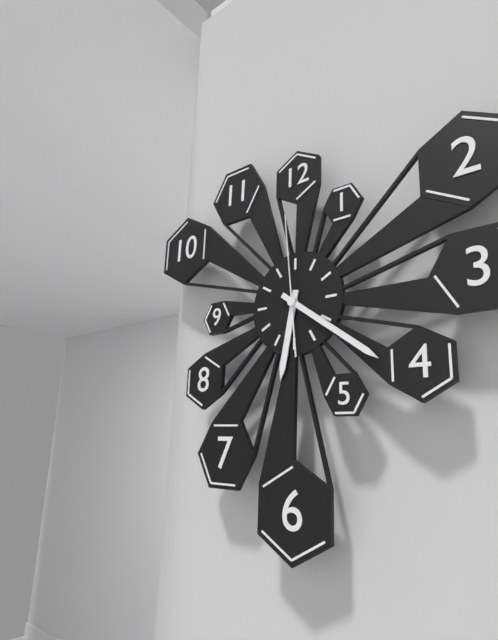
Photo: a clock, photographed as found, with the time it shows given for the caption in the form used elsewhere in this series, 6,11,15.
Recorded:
6,21,59
